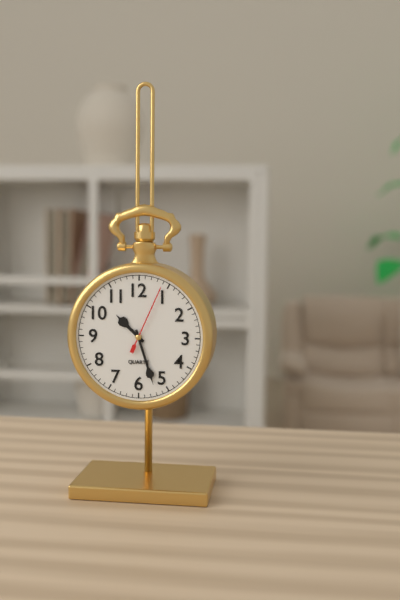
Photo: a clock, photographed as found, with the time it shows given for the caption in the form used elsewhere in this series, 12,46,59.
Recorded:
10,27,04
